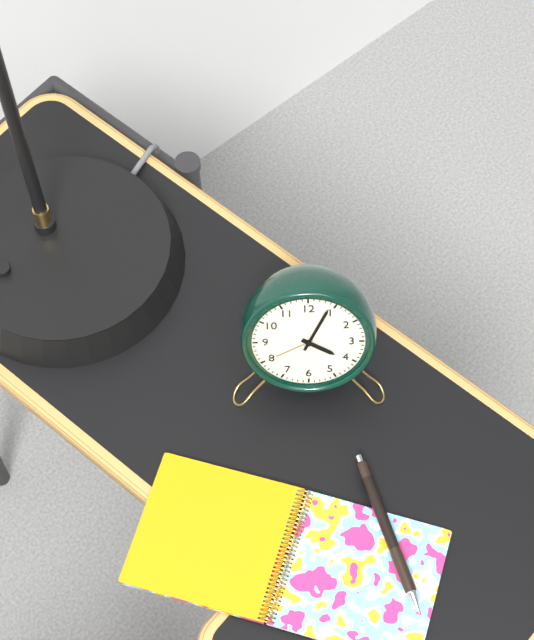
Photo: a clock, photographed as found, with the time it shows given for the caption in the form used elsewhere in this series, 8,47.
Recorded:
4,04
